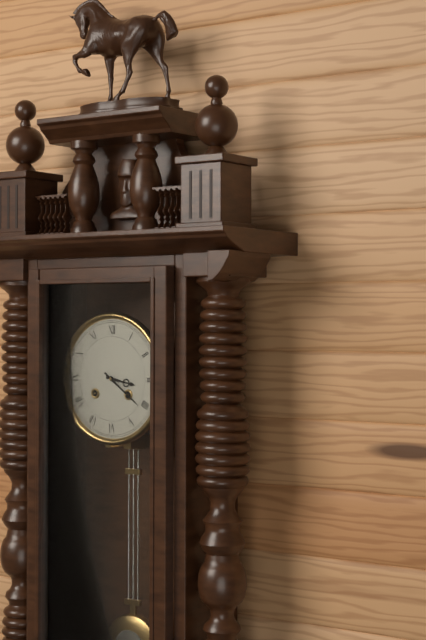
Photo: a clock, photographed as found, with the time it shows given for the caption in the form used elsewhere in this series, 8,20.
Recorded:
3,21
